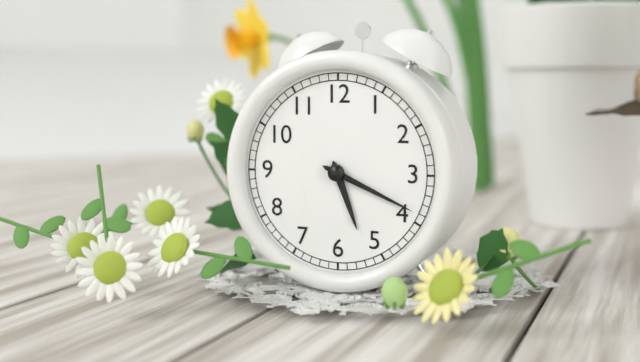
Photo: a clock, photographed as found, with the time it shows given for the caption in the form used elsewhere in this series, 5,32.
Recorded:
5,19
